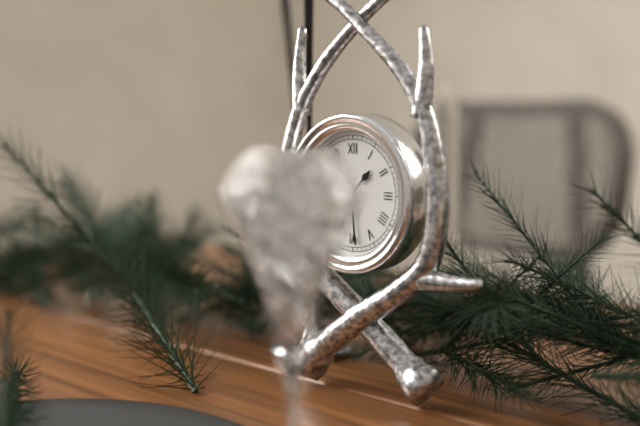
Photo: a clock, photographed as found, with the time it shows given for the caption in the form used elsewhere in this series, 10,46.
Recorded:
1,29
